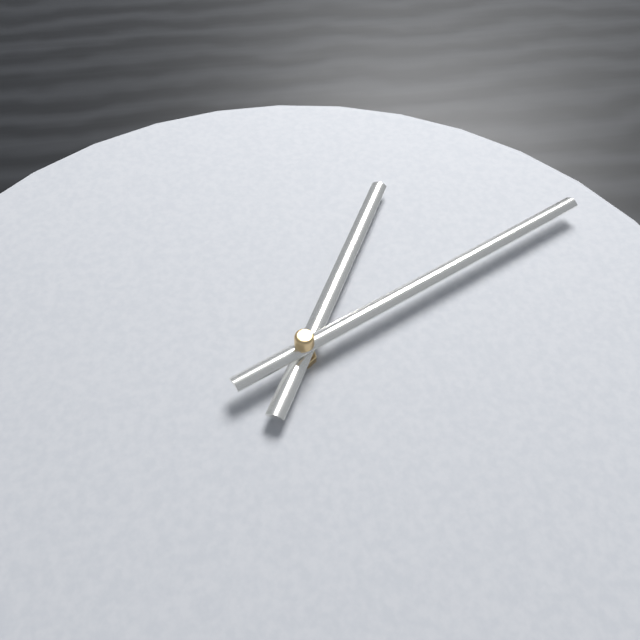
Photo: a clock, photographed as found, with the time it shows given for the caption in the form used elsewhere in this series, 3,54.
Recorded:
1,12
